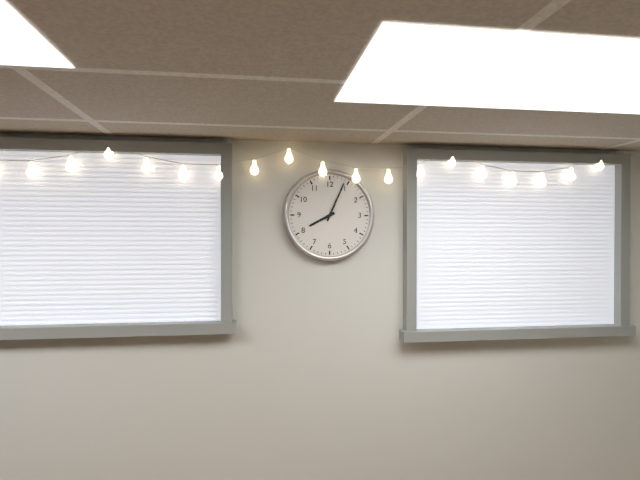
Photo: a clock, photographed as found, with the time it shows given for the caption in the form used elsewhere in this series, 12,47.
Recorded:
8,04
